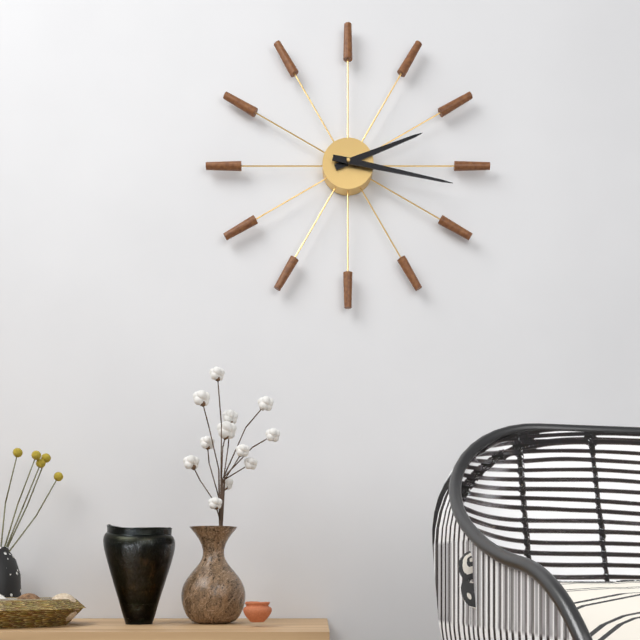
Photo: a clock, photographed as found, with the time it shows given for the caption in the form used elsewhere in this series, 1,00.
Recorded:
2,17
